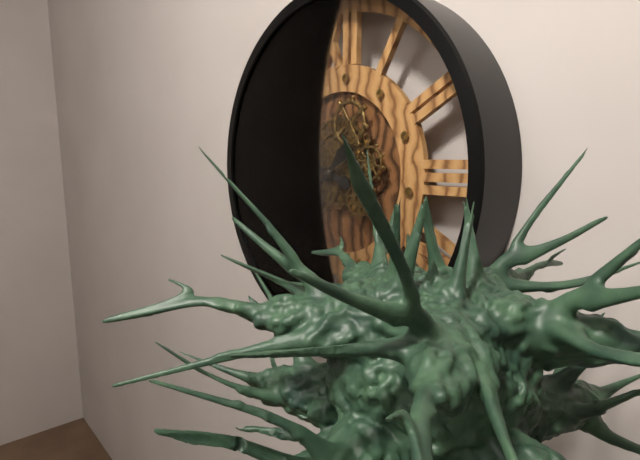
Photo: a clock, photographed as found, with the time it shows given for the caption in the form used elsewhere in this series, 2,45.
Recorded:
9,38
